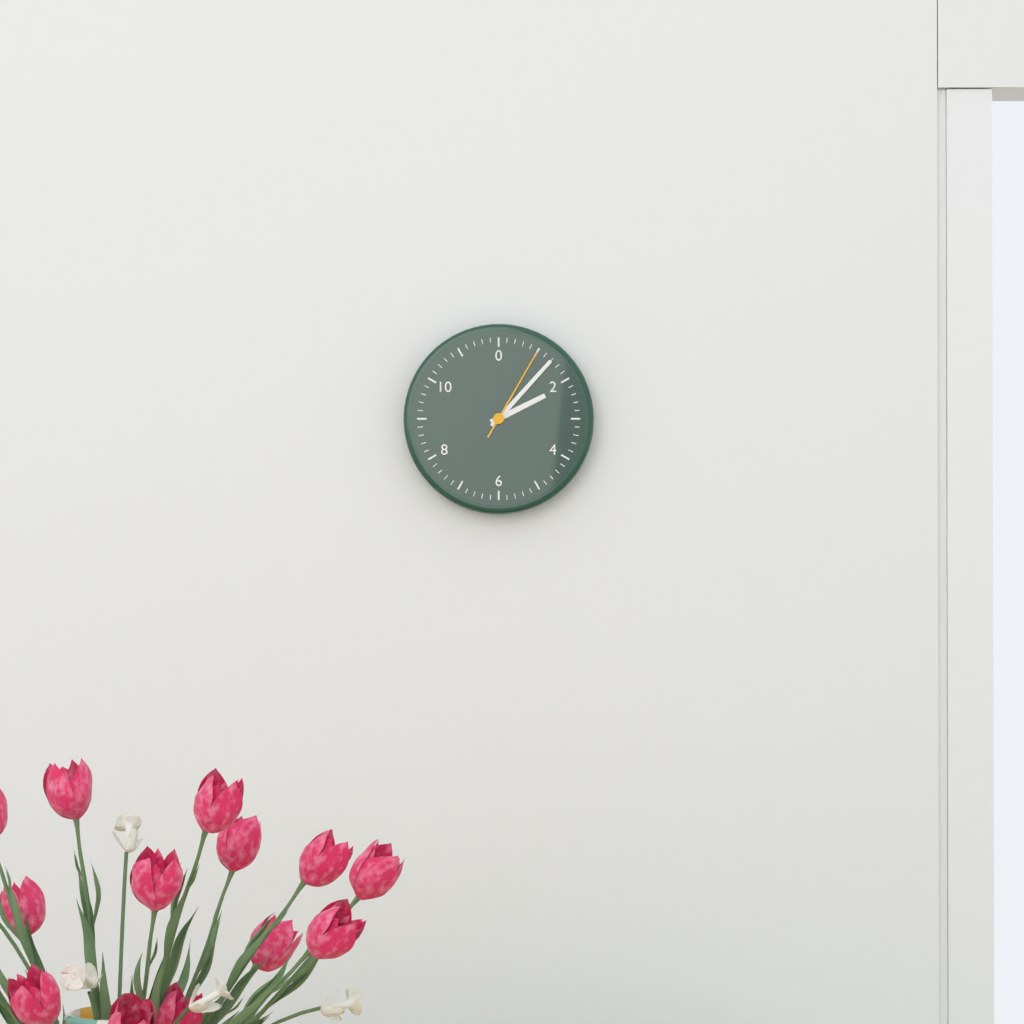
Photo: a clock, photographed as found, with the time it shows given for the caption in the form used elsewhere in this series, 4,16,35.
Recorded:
2,07,05
